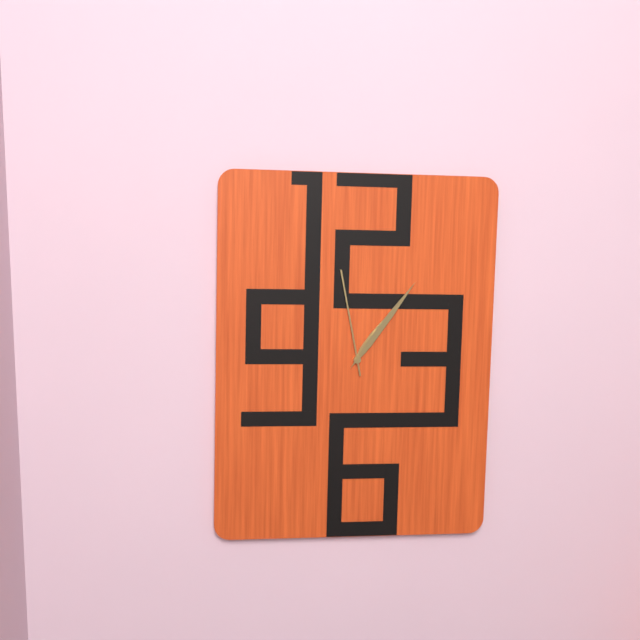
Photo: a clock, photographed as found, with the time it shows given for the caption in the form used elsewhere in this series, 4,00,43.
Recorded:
1,06,58
